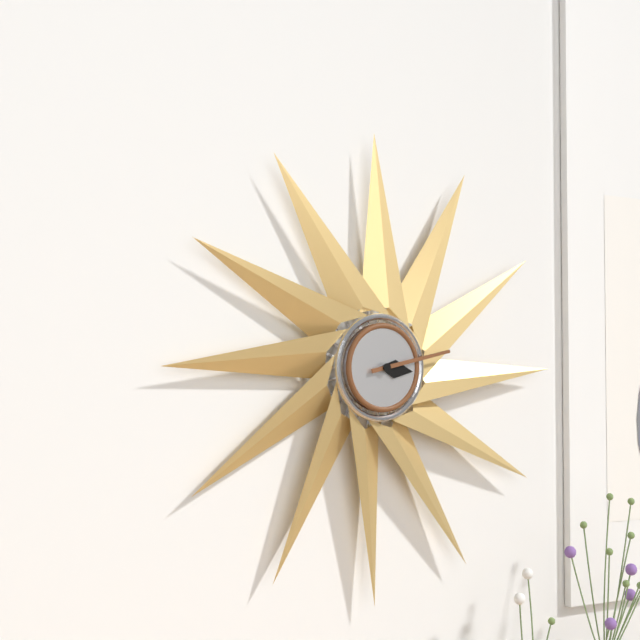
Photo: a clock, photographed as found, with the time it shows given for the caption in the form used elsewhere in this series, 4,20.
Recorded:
3,13
